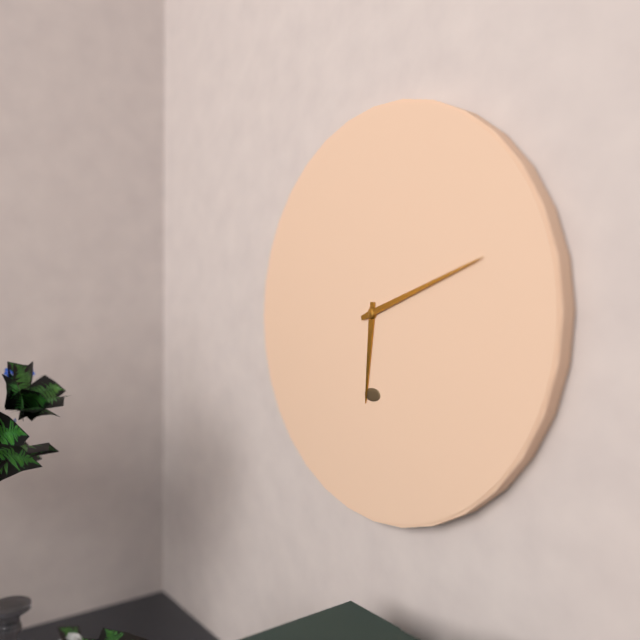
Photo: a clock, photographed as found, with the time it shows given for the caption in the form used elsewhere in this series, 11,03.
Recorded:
6,12
